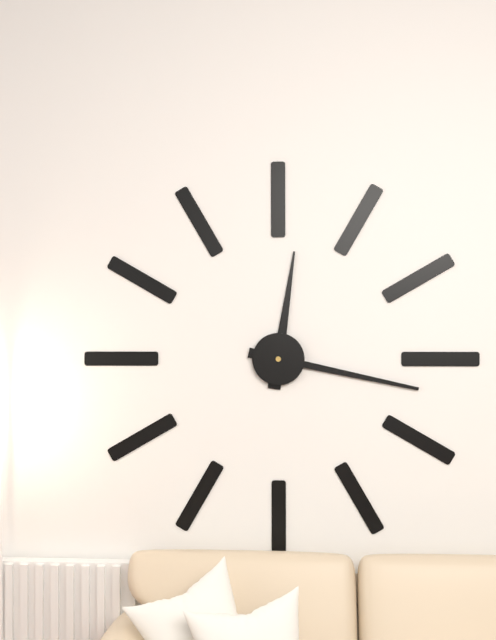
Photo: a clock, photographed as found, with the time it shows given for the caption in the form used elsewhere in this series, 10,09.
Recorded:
12,17
